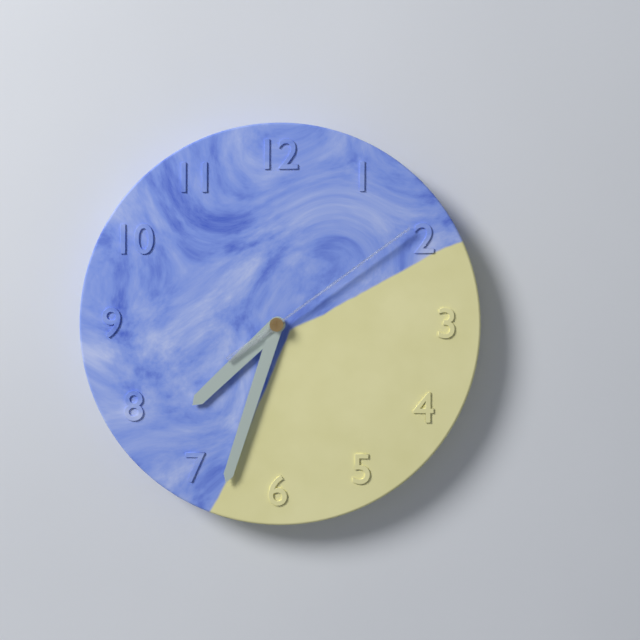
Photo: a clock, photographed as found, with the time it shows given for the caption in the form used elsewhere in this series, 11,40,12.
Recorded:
7,33,09
